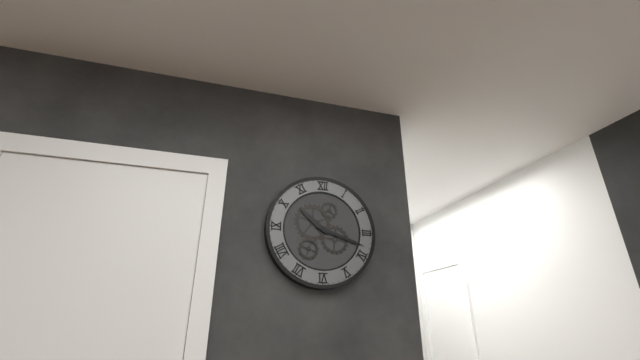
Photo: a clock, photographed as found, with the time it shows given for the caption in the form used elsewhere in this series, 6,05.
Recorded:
10,18
